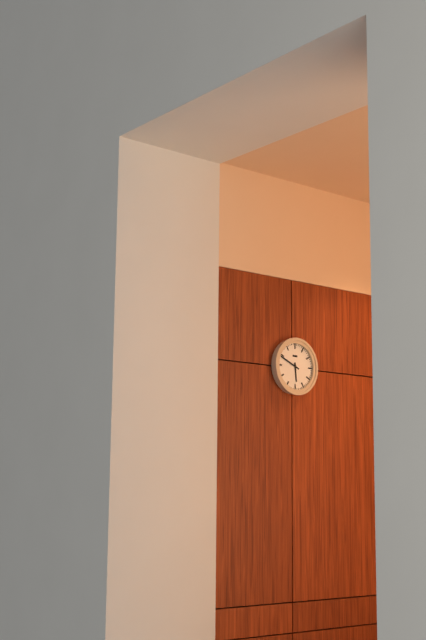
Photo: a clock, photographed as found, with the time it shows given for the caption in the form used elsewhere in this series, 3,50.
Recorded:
5,49
